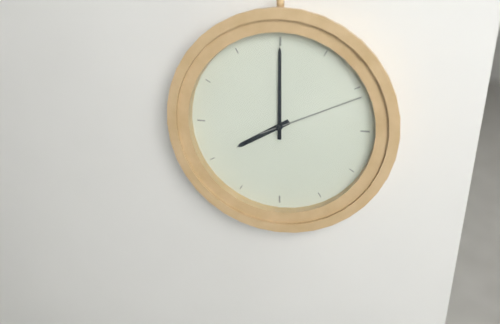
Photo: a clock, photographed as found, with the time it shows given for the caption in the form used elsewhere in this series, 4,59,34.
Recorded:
8,00,11
